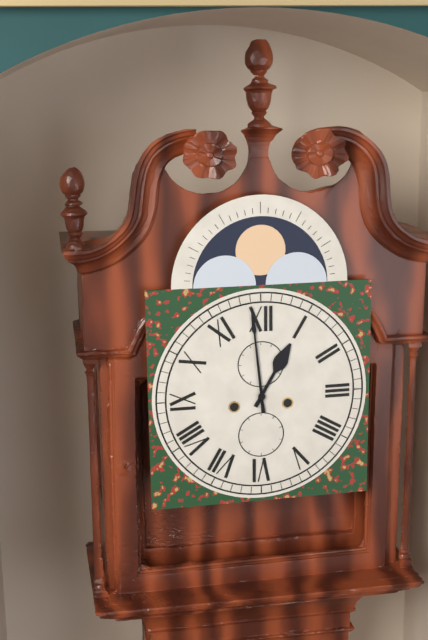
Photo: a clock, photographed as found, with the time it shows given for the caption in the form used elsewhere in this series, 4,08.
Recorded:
12,59
